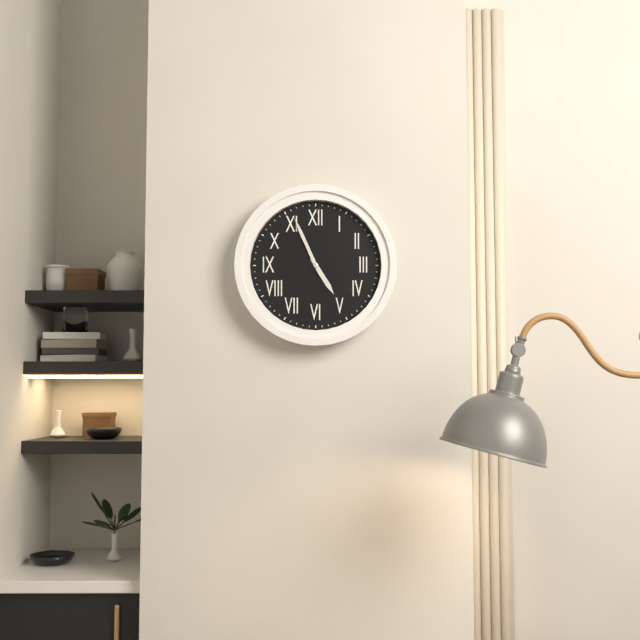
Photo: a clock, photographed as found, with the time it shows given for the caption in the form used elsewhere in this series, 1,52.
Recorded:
4,56
